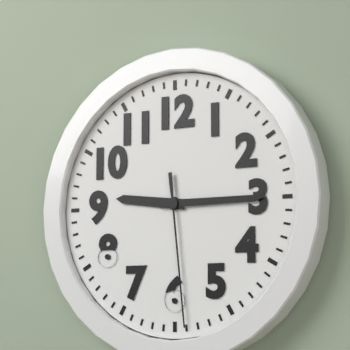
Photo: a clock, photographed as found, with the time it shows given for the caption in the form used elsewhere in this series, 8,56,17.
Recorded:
9,15,29
